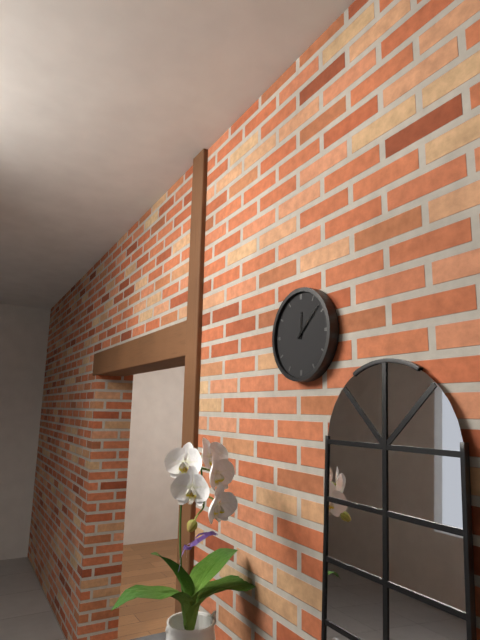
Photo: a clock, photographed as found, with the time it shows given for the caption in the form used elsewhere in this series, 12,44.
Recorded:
12,08
